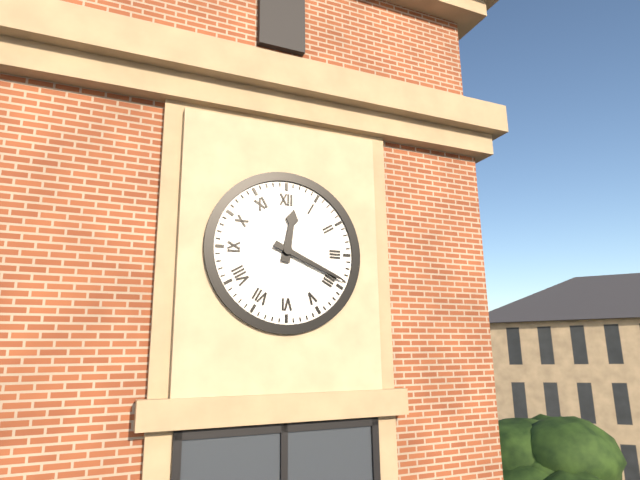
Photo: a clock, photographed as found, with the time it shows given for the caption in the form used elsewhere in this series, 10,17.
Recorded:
12,19
